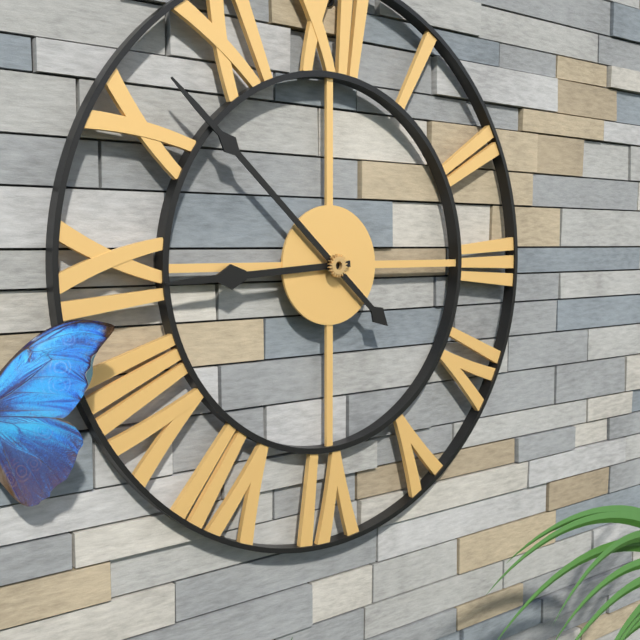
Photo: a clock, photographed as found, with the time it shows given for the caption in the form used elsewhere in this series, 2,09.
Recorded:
8,52
